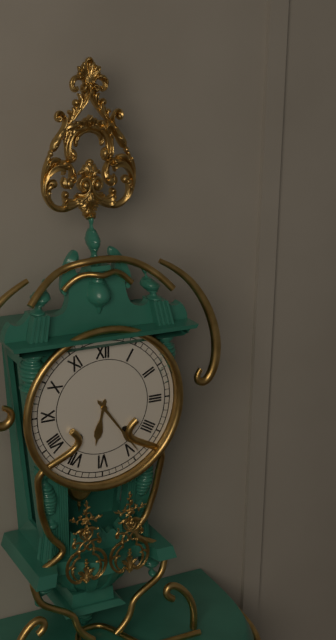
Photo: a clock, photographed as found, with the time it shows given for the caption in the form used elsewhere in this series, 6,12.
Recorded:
6,24
